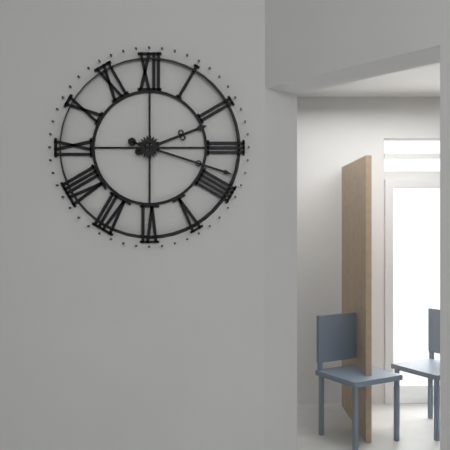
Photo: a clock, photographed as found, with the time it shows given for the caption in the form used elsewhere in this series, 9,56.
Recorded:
2,18
